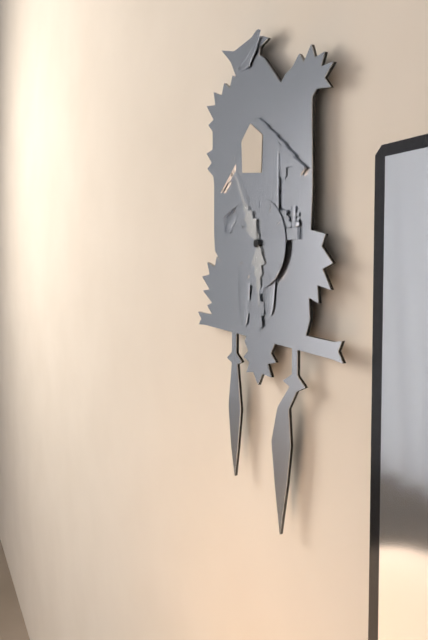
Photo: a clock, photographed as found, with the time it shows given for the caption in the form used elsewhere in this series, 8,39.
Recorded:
5,55
